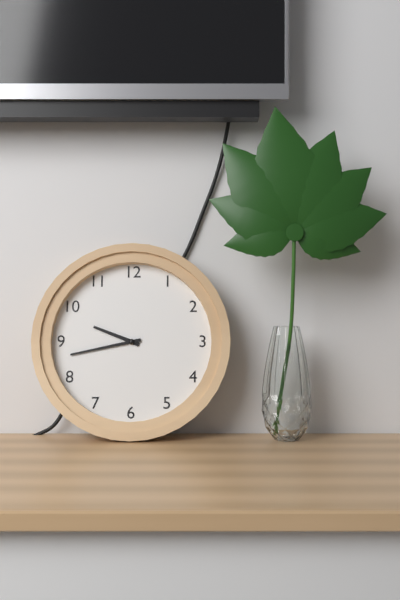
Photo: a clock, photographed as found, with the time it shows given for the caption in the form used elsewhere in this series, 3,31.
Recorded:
9,43
